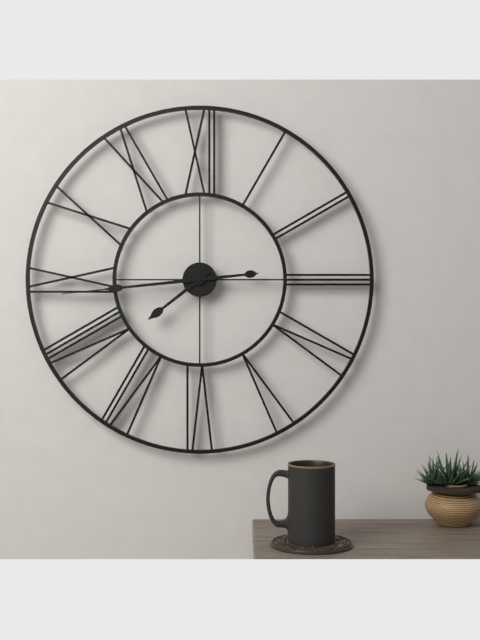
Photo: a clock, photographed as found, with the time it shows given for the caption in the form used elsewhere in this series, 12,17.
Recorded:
7,44
